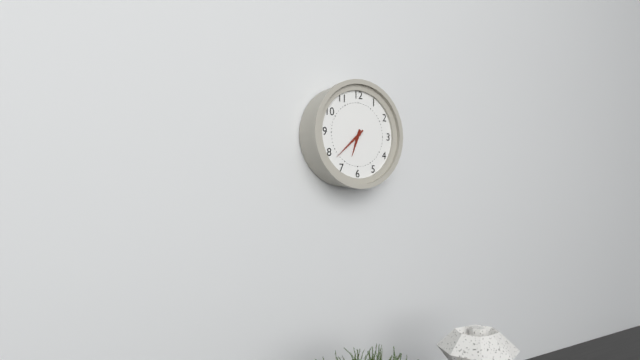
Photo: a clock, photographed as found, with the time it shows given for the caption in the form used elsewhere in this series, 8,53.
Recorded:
6,38
